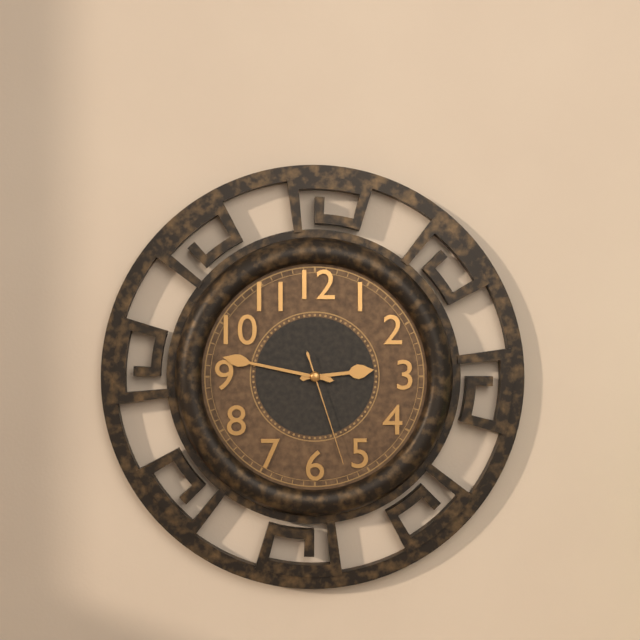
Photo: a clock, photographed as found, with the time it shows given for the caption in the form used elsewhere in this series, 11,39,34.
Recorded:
2,47,27
